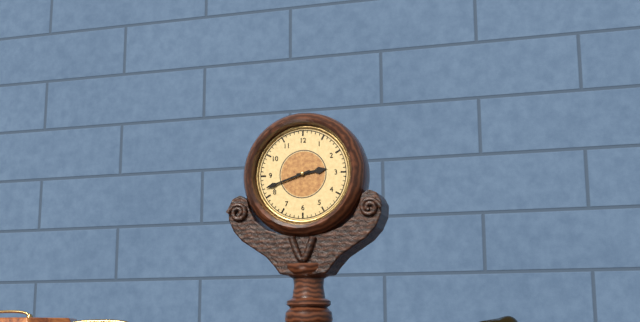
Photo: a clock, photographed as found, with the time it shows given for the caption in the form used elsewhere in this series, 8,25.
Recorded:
2,42
